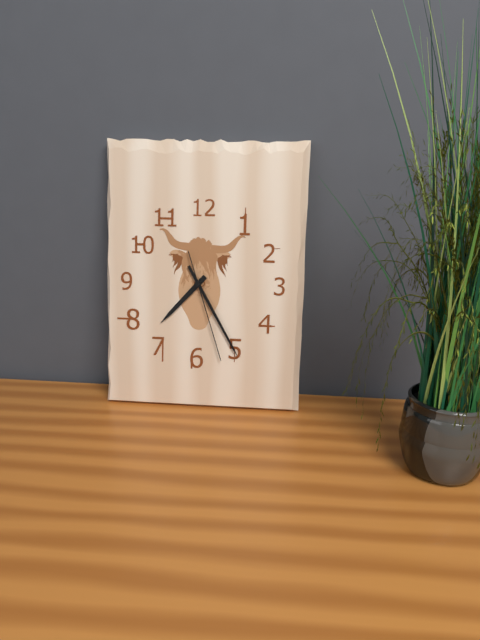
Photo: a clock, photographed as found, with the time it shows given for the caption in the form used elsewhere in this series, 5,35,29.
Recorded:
7,25,27
